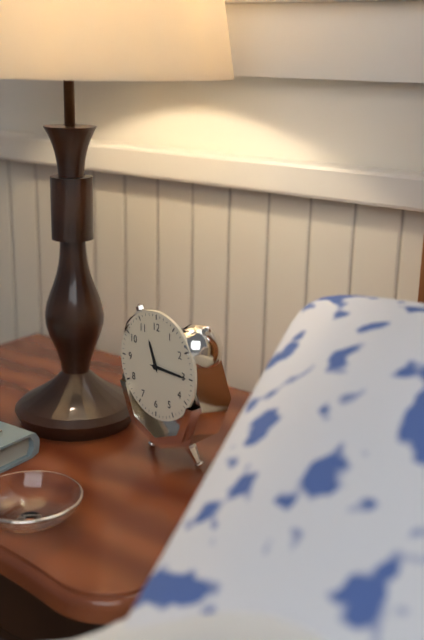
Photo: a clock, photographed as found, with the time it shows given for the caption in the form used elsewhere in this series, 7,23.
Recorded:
11,15
